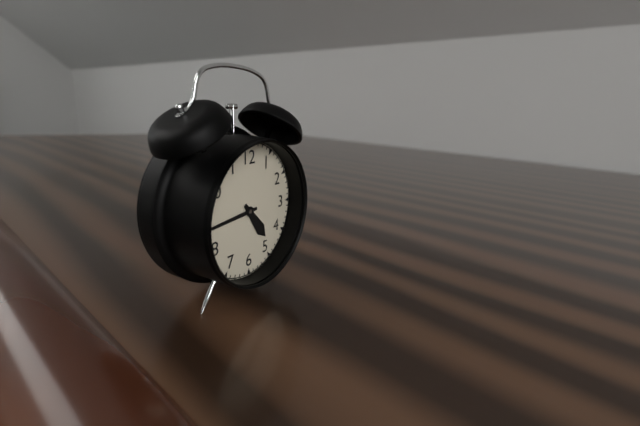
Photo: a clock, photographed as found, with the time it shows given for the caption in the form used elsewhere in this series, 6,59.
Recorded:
4,44
